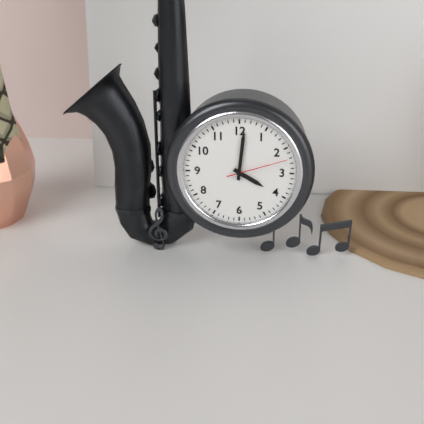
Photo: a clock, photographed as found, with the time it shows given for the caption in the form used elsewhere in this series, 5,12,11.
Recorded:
4,01,12
